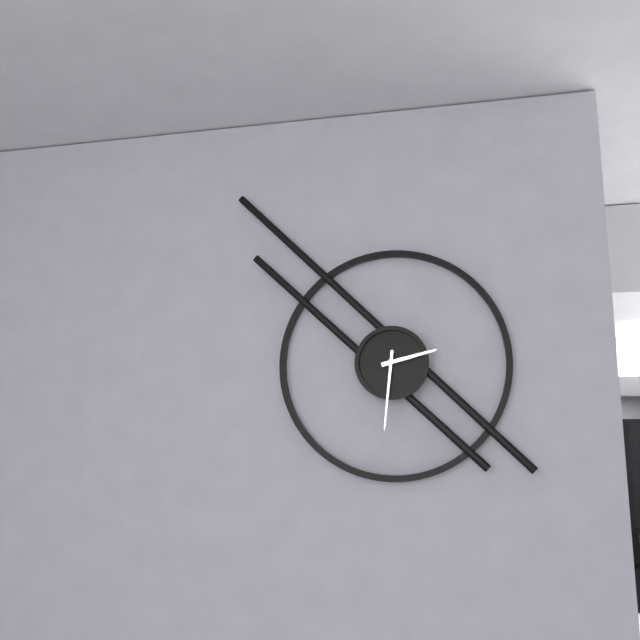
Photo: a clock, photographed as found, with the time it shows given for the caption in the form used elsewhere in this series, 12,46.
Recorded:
2,31
